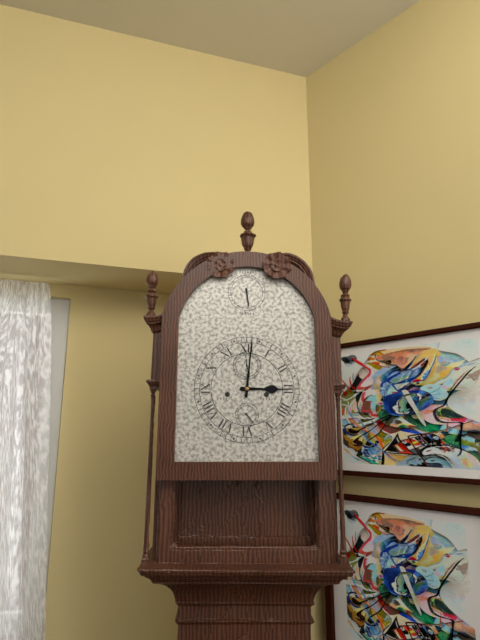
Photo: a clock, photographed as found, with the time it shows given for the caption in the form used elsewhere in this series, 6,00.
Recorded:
3,01
